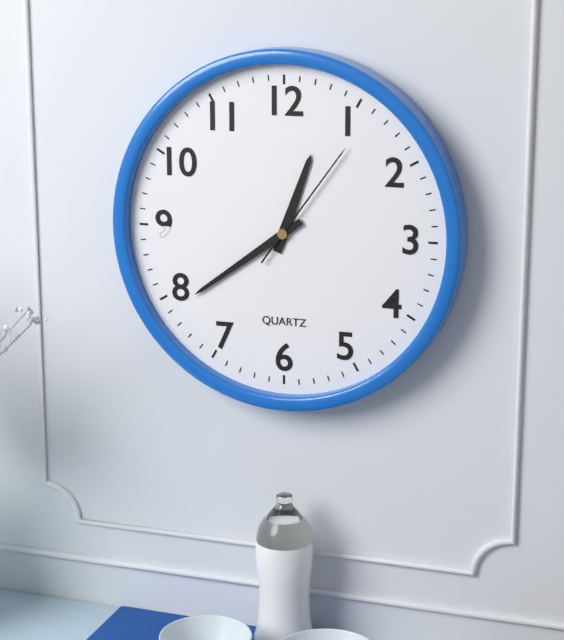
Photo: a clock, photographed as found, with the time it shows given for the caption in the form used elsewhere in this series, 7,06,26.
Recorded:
12,39,06
